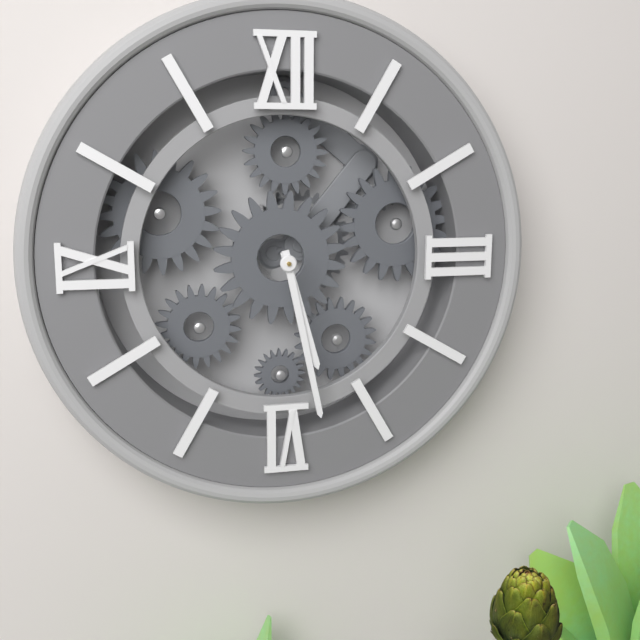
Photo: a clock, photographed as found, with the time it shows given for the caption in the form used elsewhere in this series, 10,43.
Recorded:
5,28
